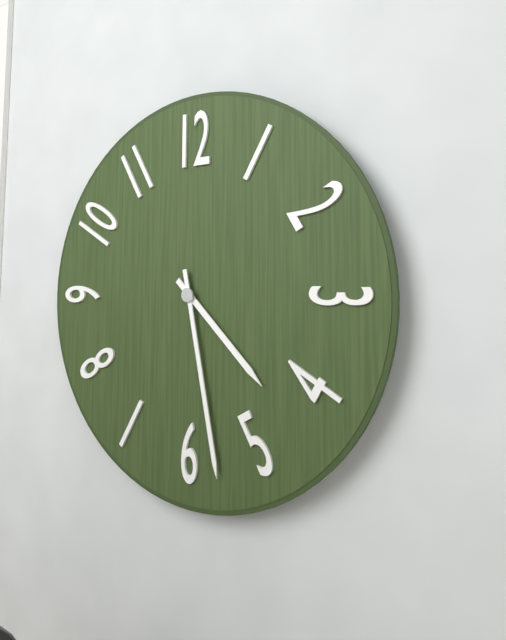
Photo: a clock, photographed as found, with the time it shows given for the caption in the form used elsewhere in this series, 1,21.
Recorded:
4,28
